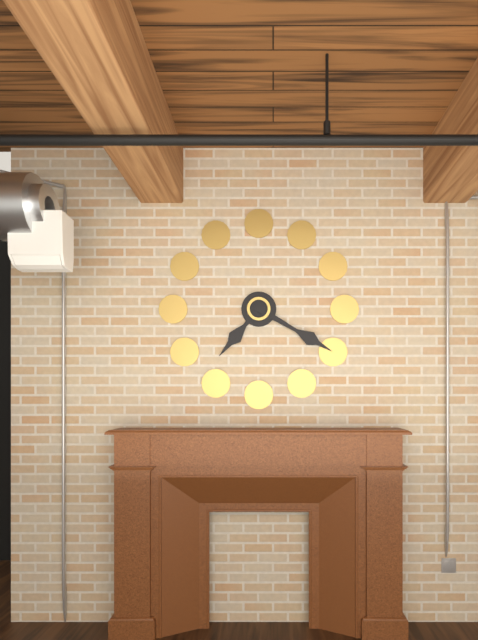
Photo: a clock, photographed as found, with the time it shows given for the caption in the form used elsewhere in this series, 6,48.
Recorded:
7,20
